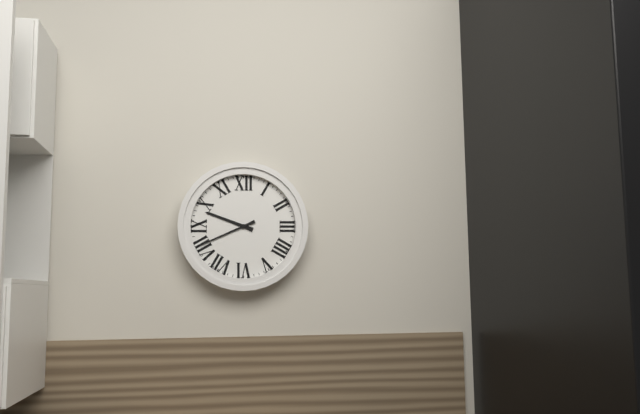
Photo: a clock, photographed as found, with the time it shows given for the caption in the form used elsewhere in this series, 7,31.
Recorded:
9,41
